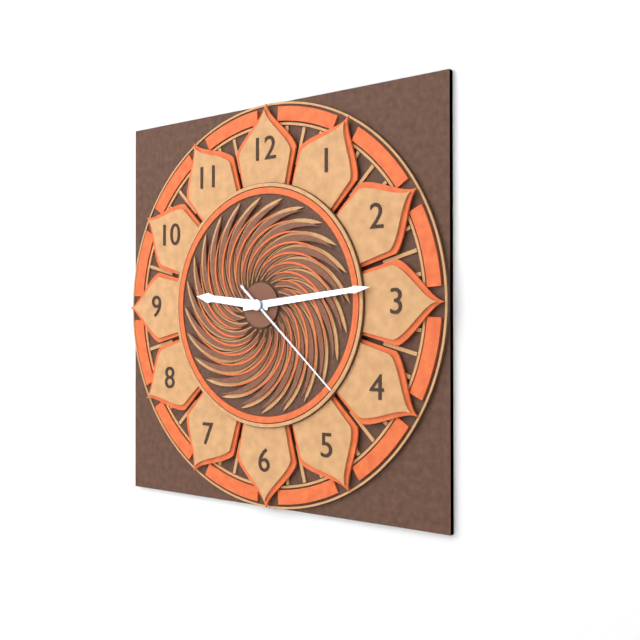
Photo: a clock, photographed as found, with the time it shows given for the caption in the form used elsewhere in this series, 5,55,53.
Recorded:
9,14,22
